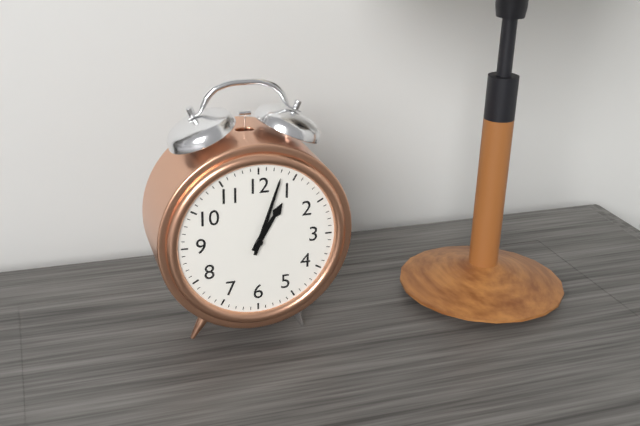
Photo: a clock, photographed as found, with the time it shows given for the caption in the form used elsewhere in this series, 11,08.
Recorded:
1,03
